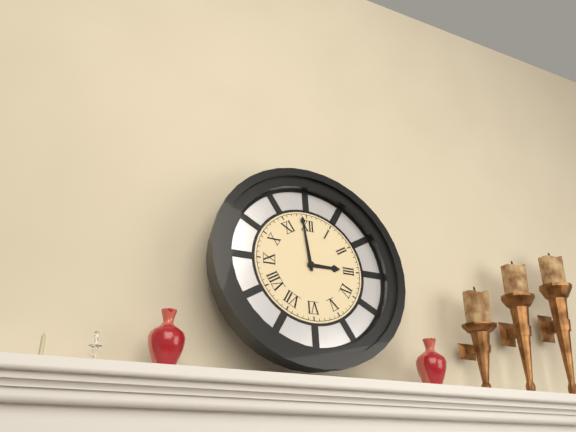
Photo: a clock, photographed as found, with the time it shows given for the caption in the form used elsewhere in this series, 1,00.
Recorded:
2,59
